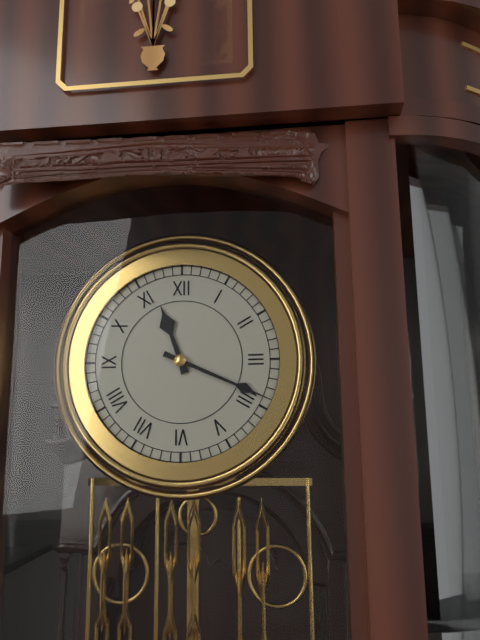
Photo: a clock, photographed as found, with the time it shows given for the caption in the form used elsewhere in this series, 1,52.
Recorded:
11,19
